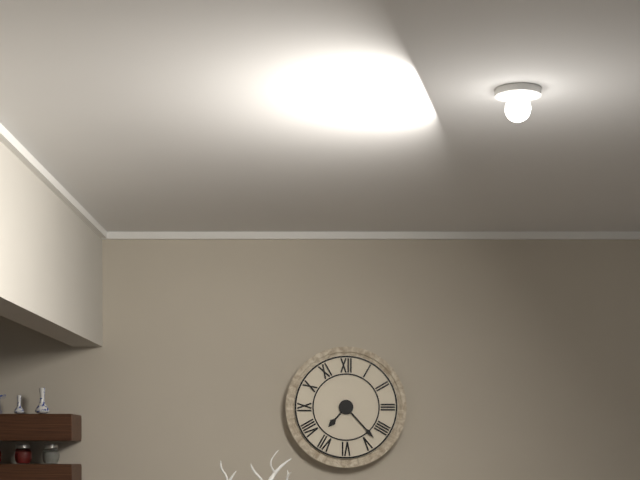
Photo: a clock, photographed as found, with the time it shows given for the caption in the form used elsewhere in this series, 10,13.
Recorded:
7,23
